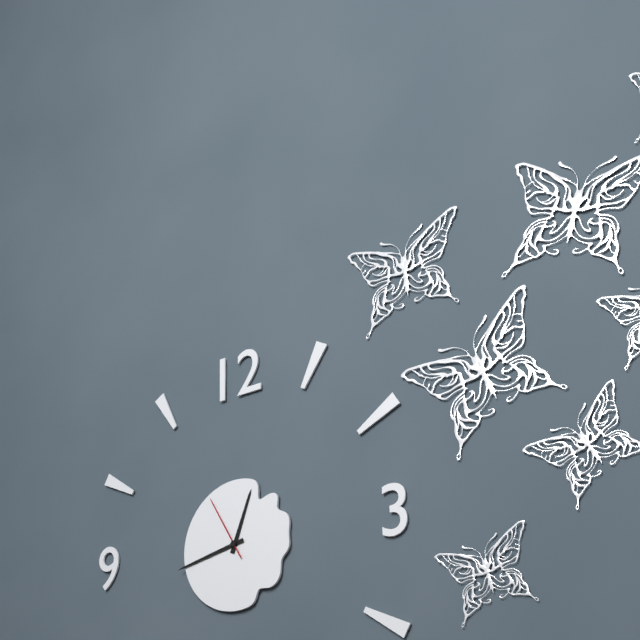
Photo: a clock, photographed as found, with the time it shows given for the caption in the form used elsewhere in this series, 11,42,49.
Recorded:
12,43,55
